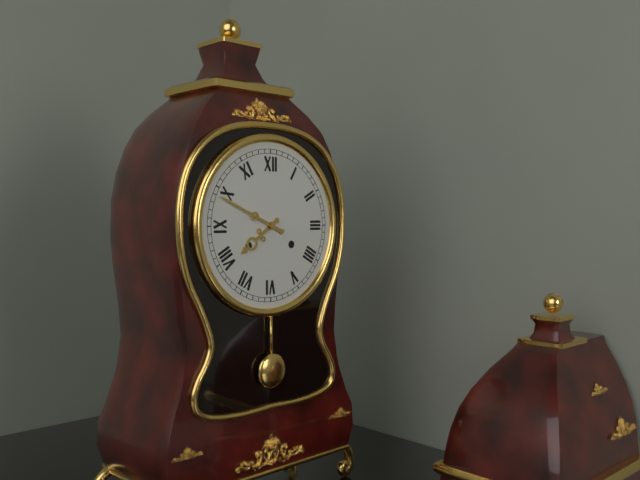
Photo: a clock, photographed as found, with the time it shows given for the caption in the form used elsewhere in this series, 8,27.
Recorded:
7,49
